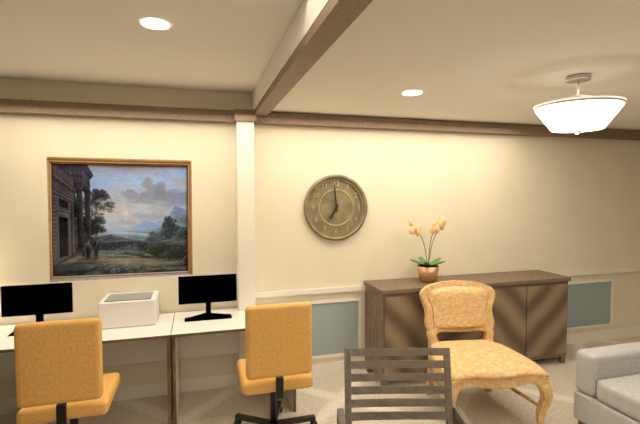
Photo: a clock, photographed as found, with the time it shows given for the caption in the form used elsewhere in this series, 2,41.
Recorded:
6,59
